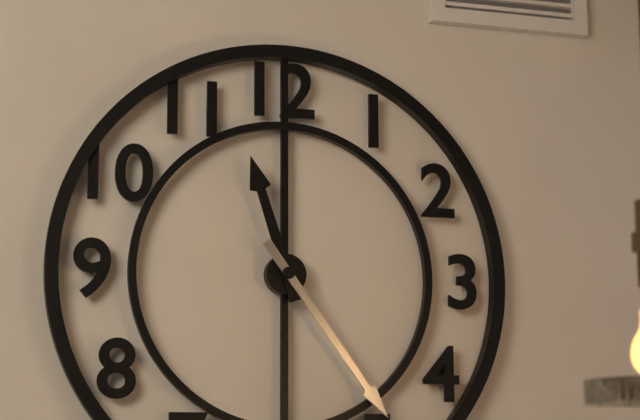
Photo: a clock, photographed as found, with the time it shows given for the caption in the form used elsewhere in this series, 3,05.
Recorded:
11,24
